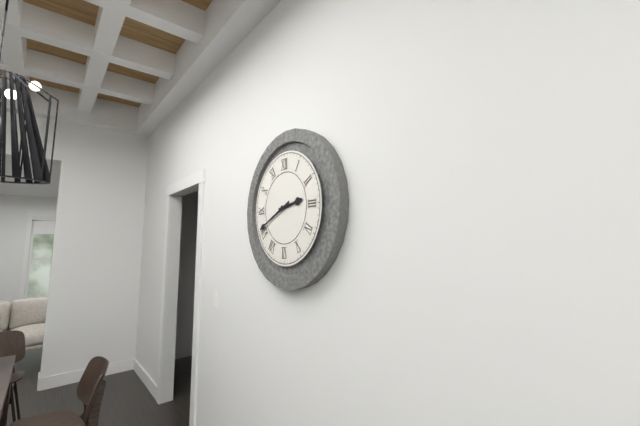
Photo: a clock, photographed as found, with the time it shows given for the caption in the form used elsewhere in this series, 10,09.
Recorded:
2,41
